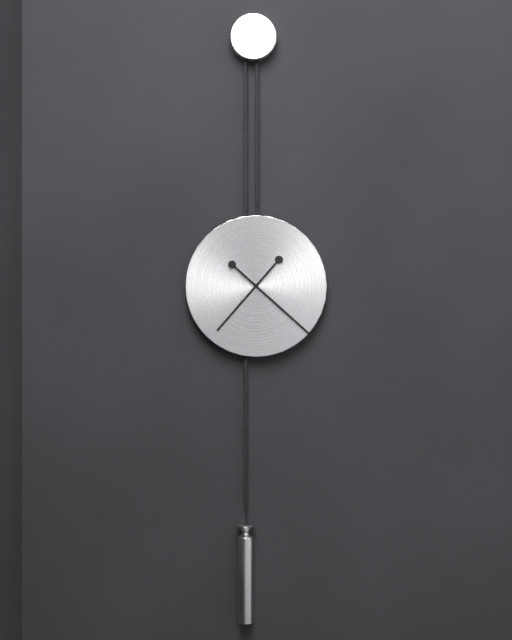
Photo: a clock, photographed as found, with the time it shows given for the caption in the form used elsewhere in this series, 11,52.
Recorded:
7,22
